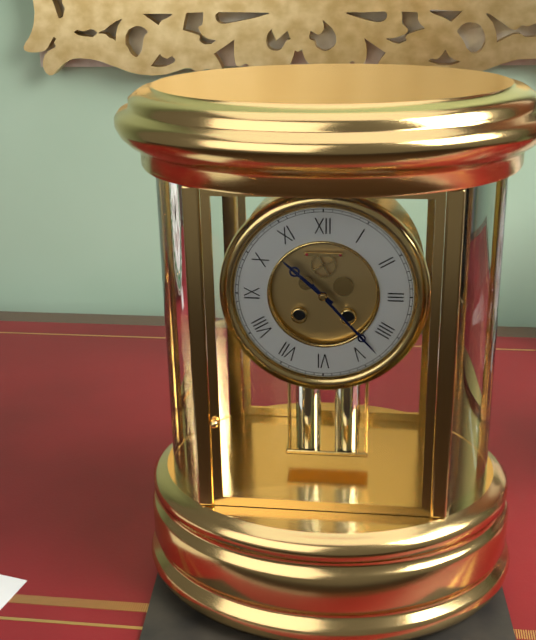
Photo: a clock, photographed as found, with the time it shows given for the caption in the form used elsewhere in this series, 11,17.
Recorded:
10,23
